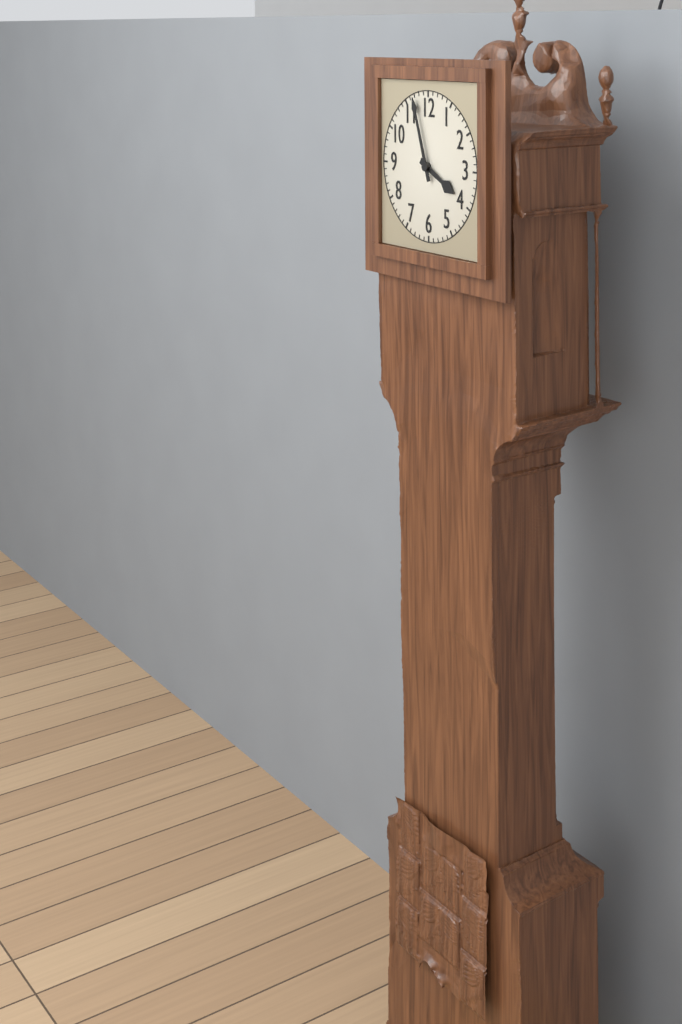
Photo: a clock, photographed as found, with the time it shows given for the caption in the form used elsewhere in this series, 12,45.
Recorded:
3,57
